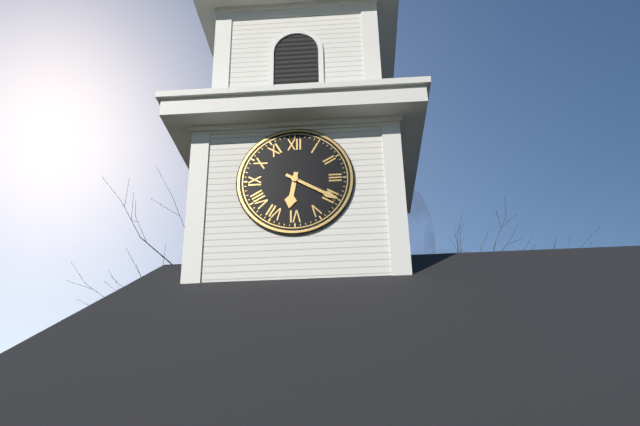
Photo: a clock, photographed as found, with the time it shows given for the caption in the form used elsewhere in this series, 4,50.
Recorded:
6,20
